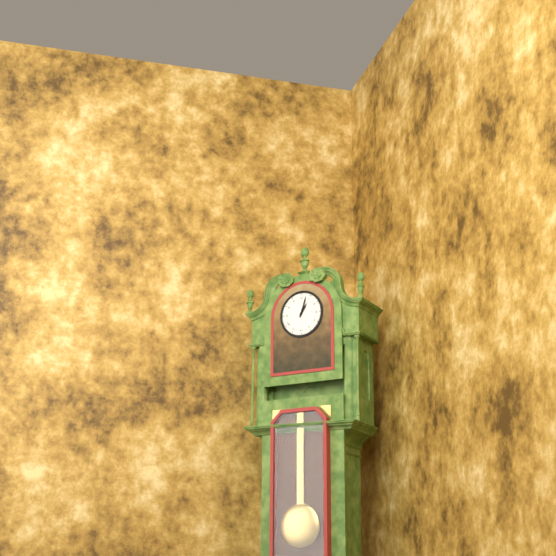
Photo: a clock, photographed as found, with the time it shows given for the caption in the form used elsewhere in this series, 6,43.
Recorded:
1,03
